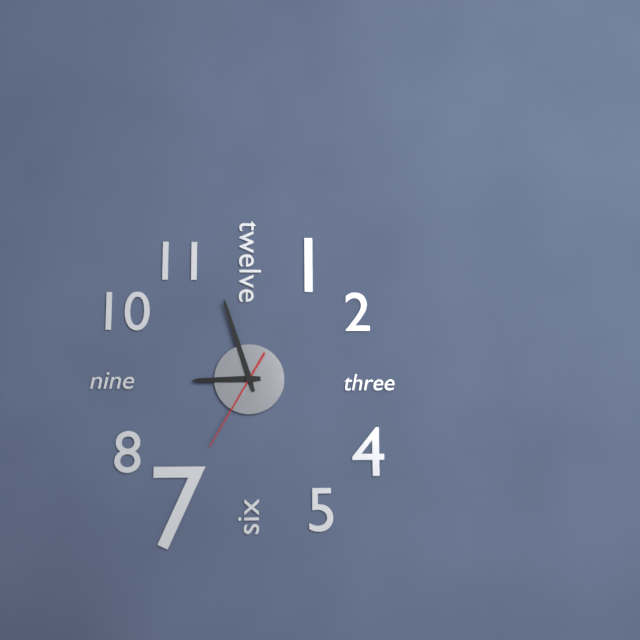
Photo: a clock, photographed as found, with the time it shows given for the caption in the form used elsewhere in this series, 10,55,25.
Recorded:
8,57,35
